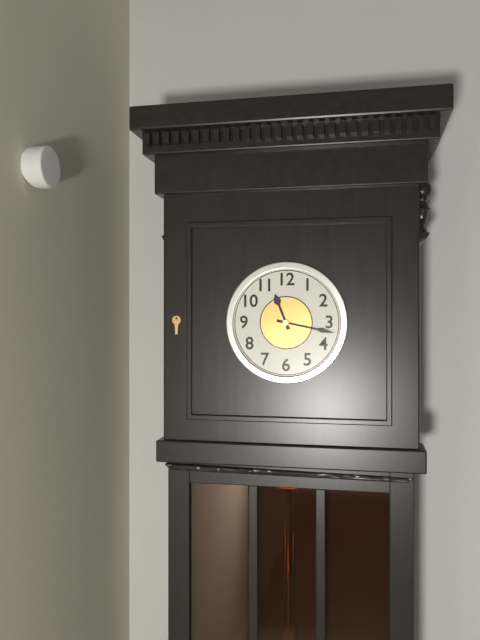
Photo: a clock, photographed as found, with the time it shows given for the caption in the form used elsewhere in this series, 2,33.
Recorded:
11,17
